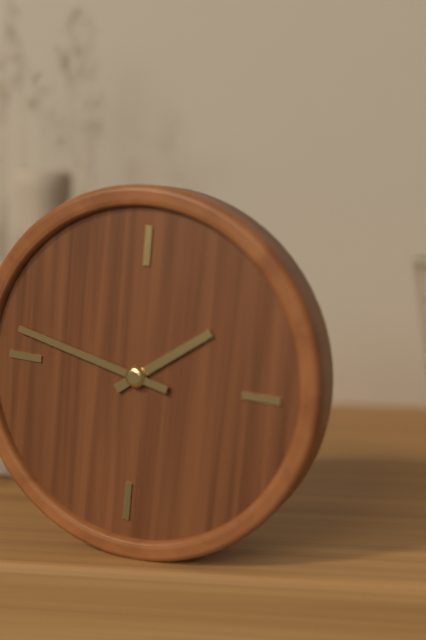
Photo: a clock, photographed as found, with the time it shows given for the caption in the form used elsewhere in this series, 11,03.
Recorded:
1,47
